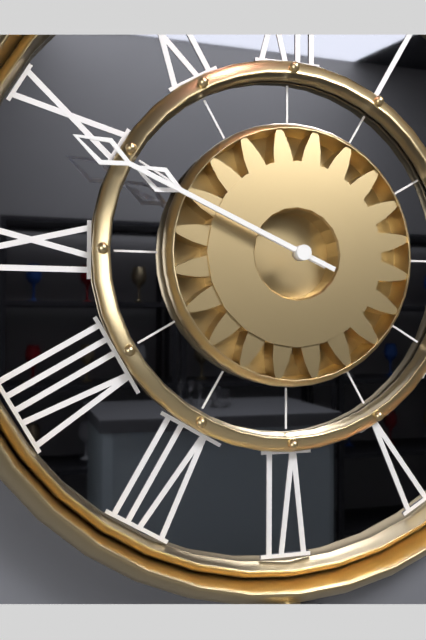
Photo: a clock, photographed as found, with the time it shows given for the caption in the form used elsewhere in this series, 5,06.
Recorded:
9,49
